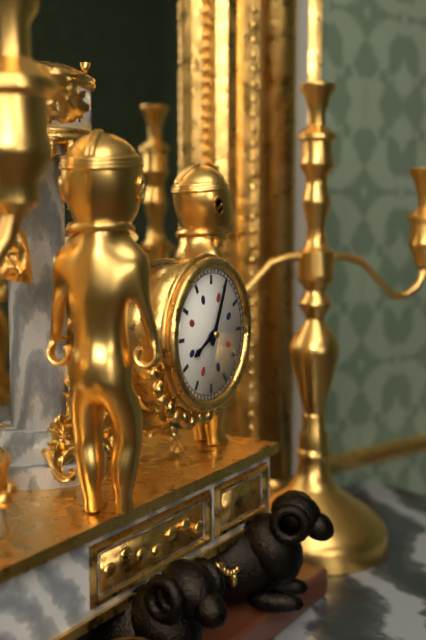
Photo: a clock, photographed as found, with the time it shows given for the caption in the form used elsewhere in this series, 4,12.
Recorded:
8,04
